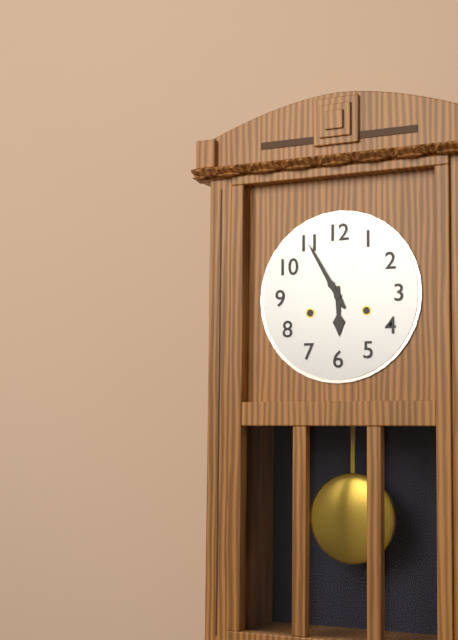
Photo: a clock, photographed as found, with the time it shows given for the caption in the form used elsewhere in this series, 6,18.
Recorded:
5,55
